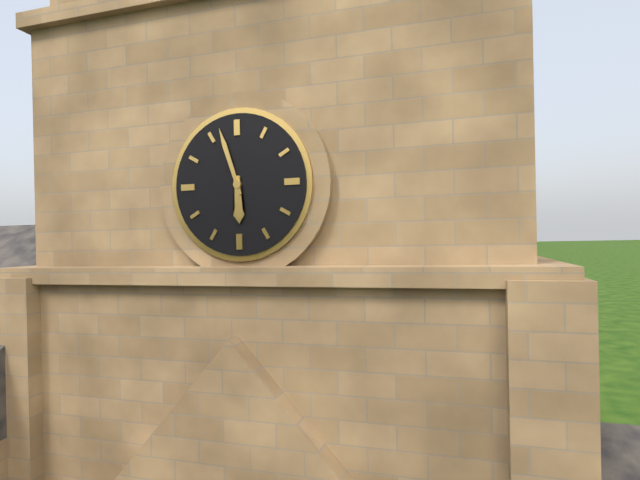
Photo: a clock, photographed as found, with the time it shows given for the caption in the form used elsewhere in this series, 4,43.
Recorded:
5,57
